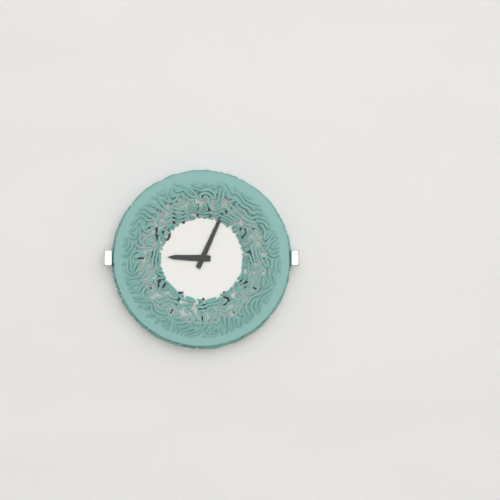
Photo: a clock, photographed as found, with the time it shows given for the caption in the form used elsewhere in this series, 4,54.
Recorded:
9,04
